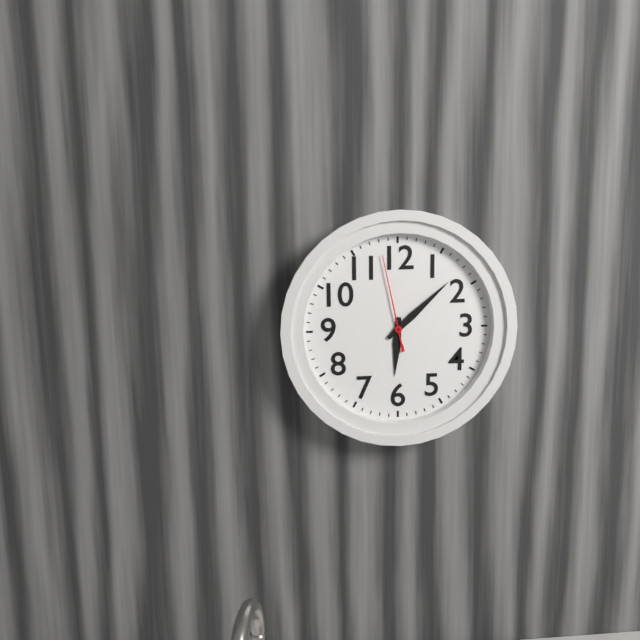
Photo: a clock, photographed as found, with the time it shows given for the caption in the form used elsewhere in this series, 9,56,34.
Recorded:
6,08,58
